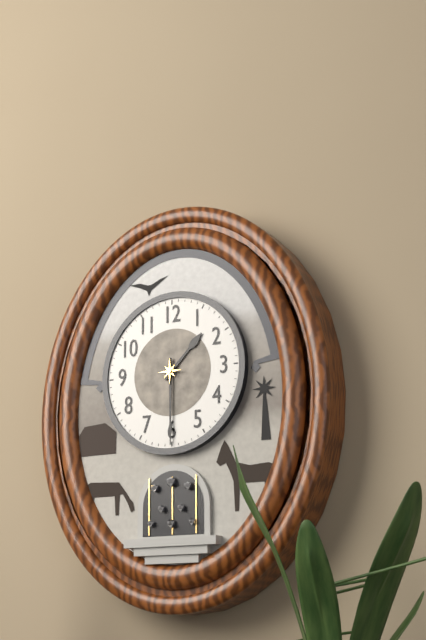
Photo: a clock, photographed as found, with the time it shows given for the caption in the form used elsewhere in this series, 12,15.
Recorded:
1,30
